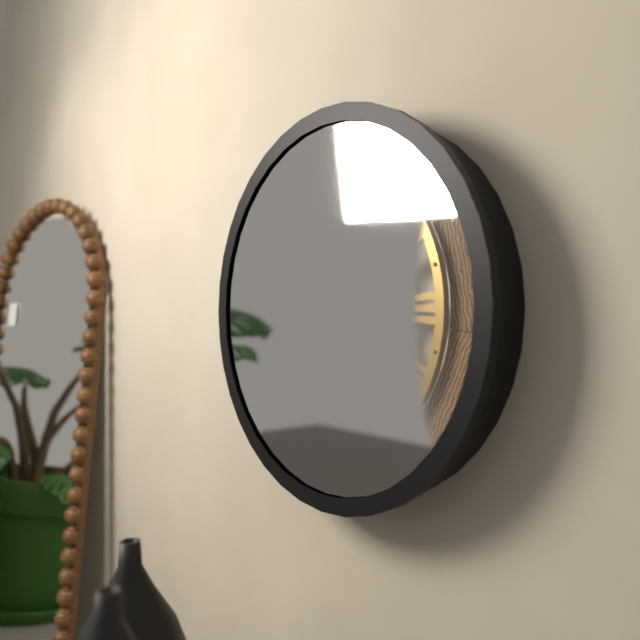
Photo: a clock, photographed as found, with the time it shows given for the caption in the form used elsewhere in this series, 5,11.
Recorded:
1,38
